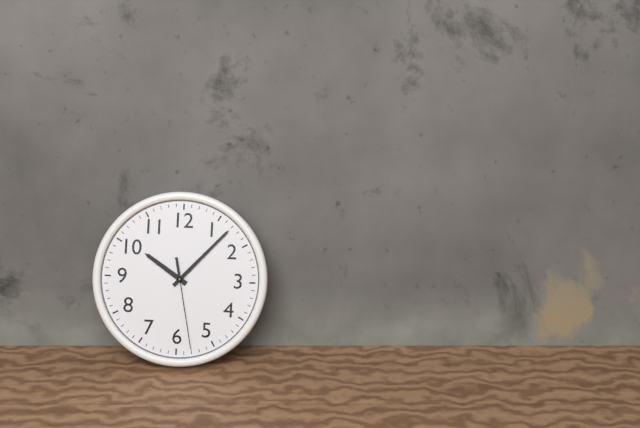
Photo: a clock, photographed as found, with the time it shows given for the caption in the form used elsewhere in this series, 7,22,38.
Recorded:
10,07,28
